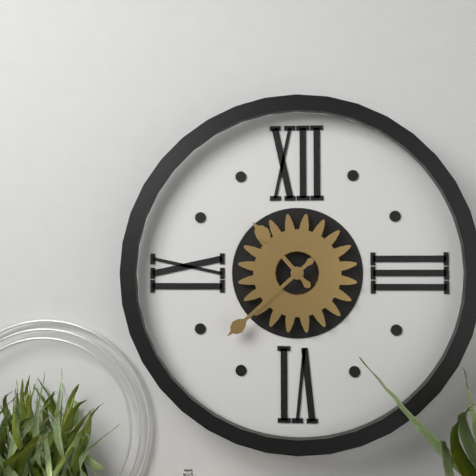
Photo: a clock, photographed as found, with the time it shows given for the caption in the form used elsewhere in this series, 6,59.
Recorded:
10,38
